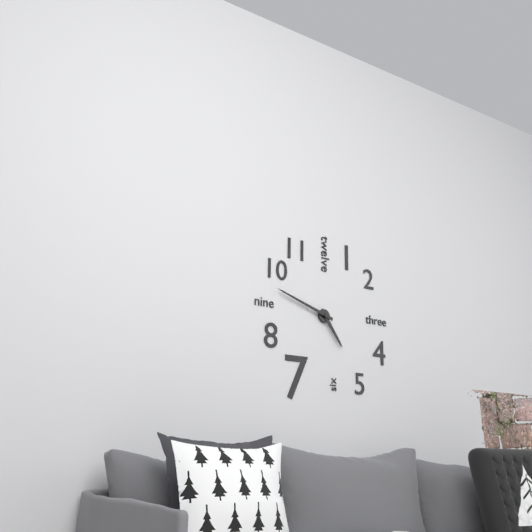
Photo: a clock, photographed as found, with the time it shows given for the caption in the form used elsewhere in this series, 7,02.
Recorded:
4,48
